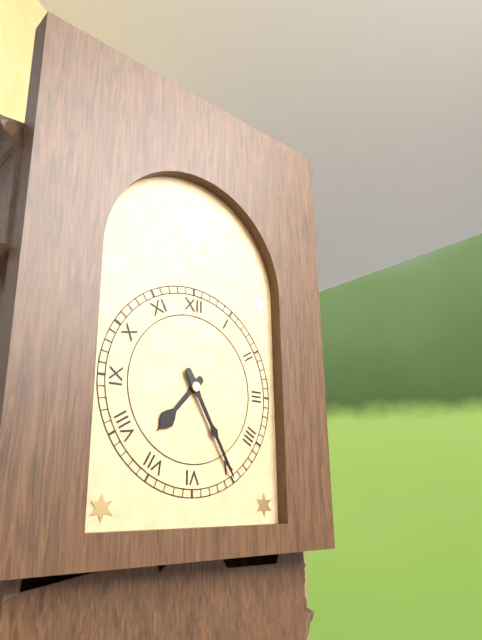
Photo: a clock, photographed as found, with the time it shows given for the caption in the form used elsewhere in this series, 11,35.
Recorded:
7,25
